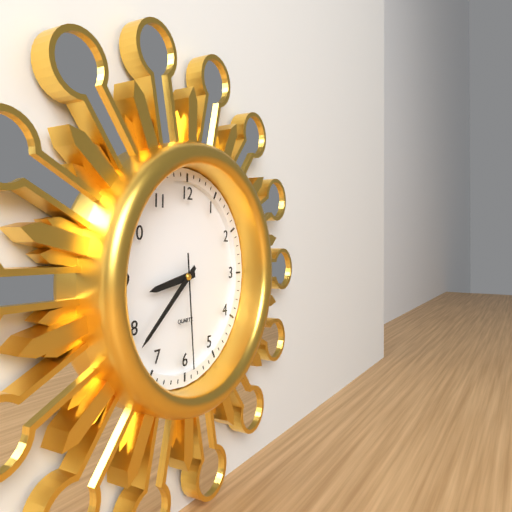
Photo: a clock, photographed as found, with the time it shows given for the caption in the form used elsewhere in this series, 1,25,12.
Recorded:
8,38,29
